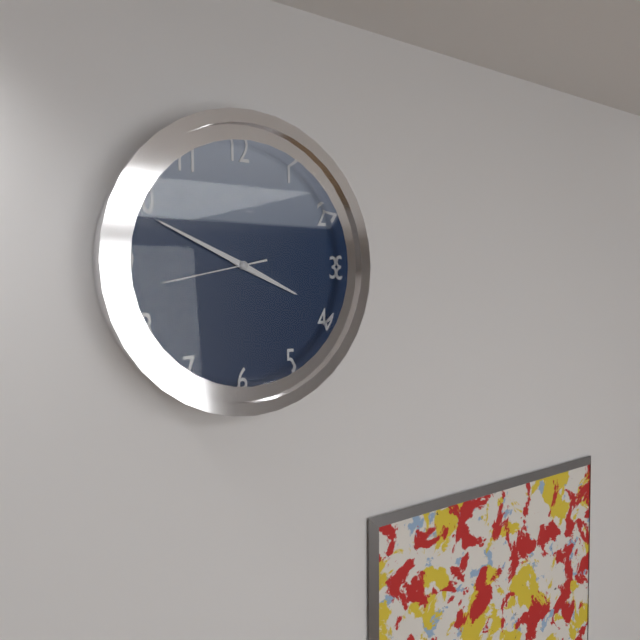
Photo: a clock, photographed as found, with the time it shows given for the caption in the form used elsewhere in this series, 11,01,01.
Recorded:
3,49,43
